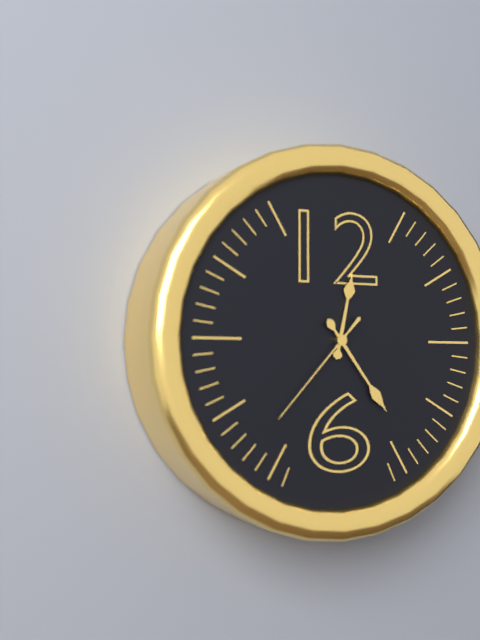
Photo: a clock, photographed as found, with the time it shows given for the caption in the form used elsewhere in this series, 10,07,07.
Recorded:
12,24,37
